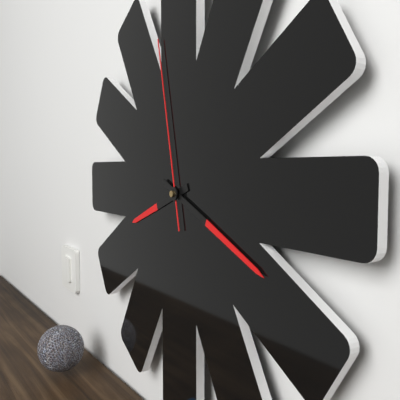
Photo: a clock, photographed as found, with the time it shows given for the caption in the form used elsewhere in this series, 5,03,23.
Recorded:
8,19,58
